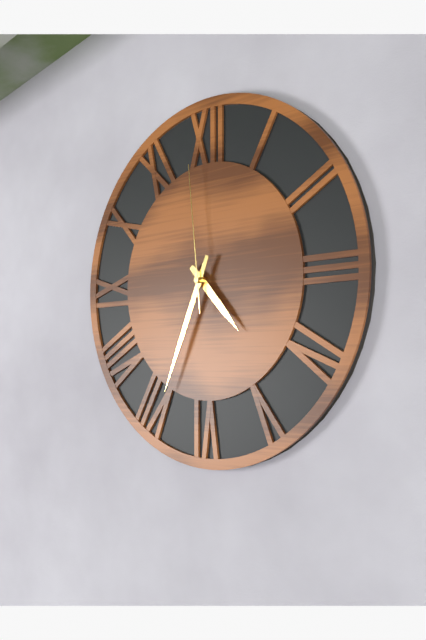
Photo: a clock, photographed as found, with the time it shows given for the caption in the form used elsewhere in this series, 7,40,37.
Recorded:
4,34,59
